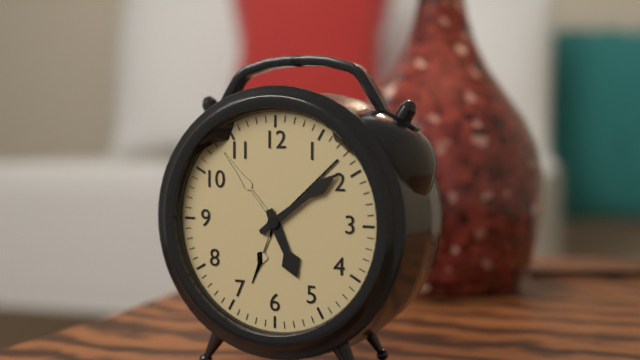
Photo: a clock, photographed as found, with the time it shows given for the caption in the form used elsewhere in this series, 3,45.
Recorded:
5,09
